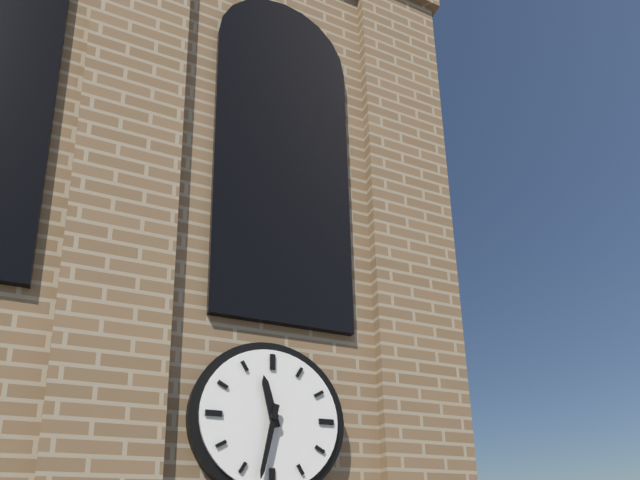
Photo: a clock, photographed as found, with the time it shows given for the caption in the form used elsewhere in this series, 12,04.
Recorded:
11,32
